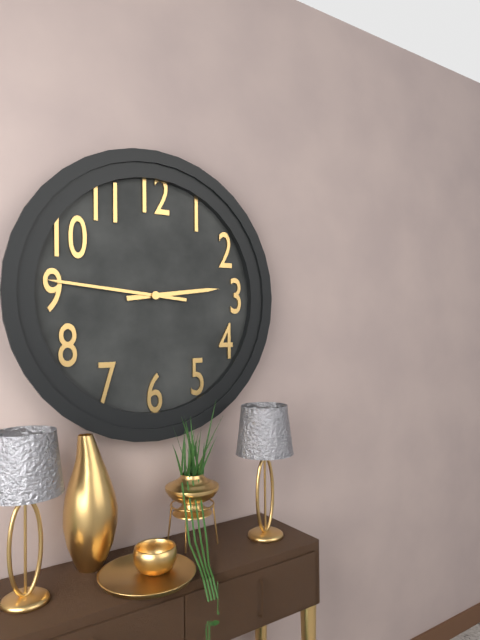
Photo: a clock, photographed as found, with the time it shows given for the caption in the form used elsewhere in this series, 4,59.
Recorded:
2,46
